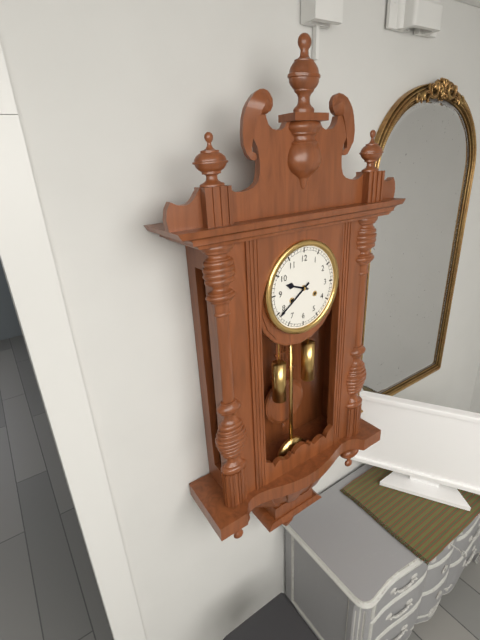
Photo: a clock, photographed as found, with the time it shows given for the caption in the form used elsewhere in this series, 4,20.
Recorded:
9,39
